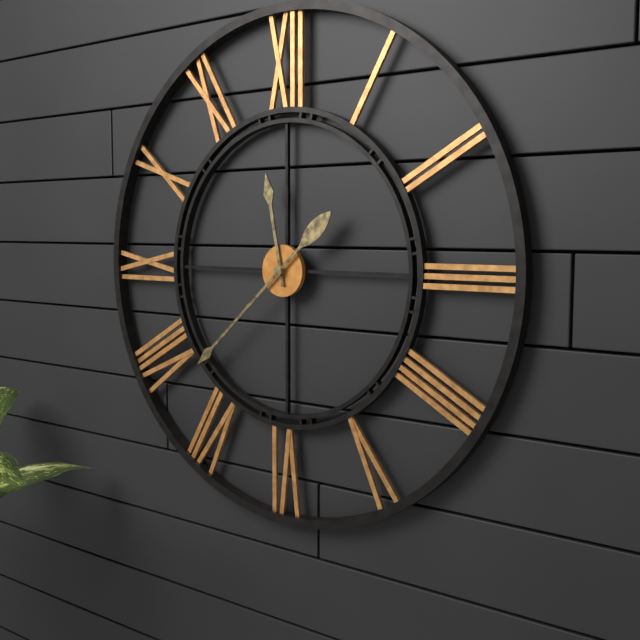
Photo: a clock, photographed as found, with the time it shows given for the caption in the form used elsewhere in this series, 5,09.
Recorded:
11,38
